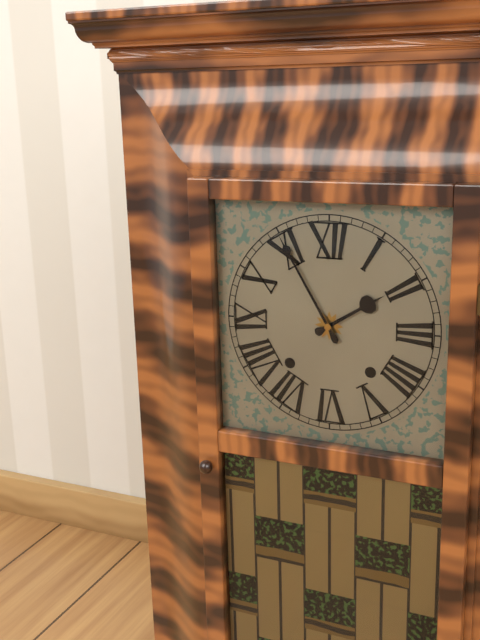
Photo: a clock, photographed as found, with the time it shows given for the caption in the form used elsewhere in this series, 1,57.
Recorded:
1,55
